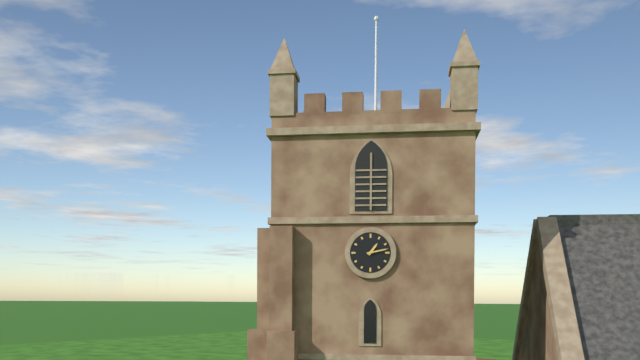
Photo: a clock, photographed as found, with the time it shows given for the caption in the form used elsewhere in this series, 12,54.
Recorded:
1,13
